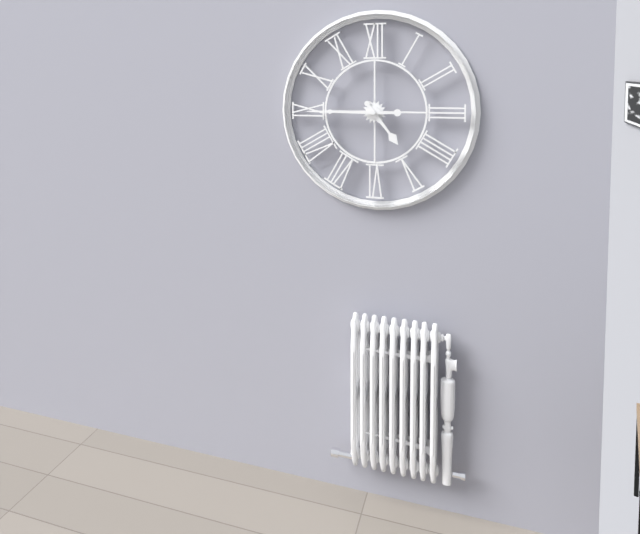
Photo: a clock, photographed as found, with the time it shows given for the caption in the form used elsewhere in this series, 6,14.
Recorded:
4,45
